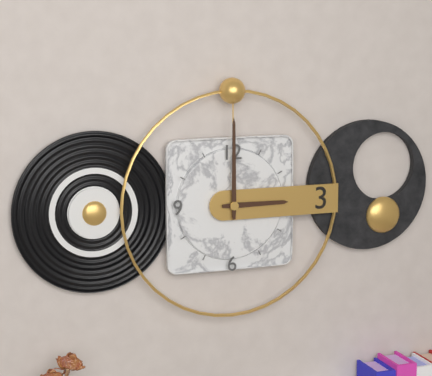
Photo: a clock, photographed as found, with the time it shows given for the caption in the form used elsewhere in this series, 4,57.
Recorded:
3,00
